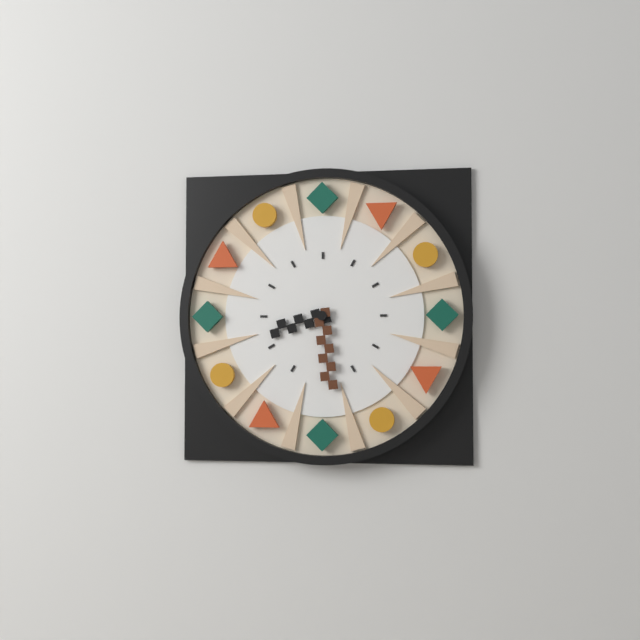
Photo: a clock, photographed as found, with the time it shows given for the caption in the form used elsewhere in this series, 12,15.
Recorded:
8,29
